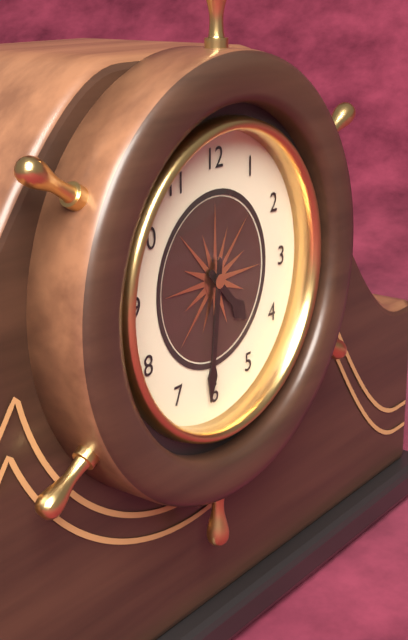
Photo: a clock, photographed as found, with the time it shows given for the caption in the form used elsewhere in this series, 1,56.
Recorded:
4,31
